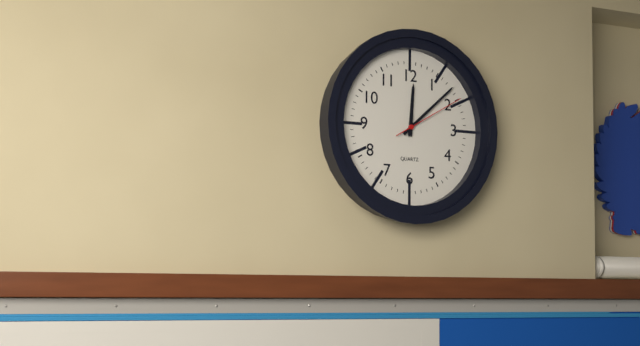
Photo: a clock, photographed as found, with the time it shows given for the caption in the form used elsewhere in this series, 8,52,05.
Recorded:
12,08,10
